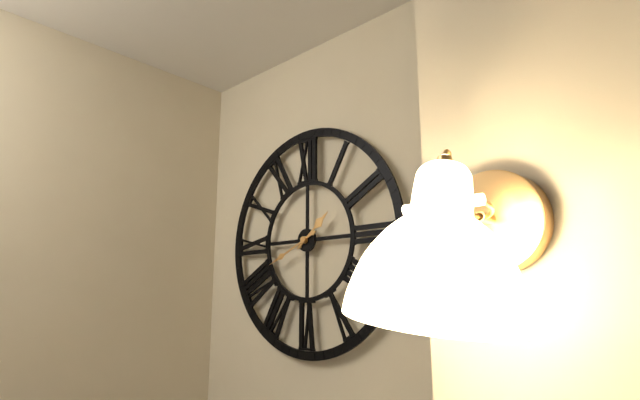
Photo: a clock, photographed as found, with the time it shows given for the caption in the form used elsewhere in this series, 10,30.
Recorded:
1,41
